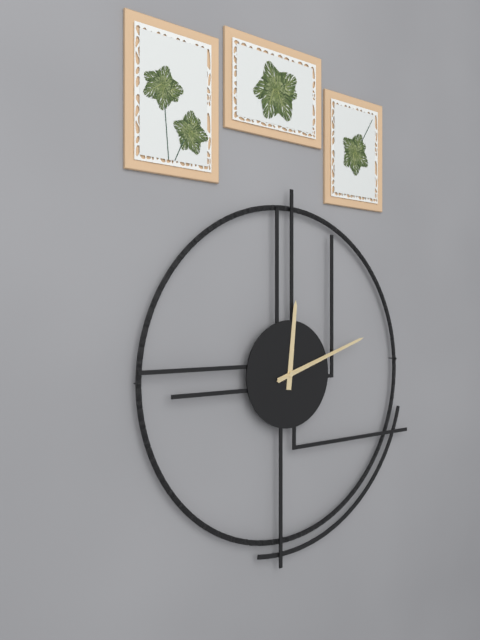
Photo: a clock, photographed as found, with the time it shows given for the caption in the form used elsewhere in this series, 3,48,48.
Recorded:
12,12,12
